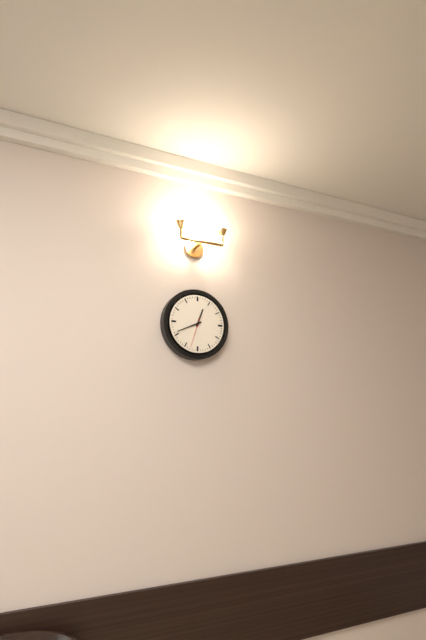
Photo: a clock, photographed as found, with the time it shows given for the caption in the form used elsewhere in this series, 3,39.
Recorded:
12,41
